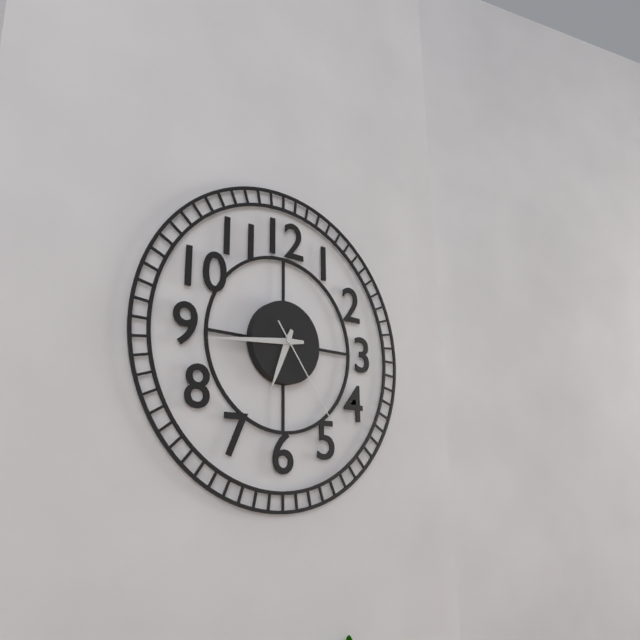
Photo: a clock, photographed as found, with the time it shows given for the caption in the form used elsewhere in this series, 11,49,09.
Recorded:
6,44,24
